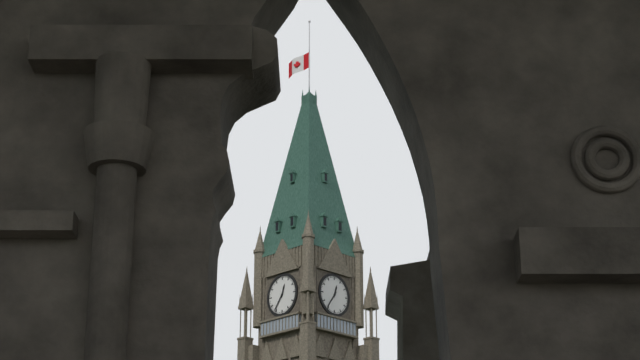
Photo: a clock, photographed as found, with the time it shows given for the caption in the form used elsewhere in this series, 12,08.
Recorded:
12,36
